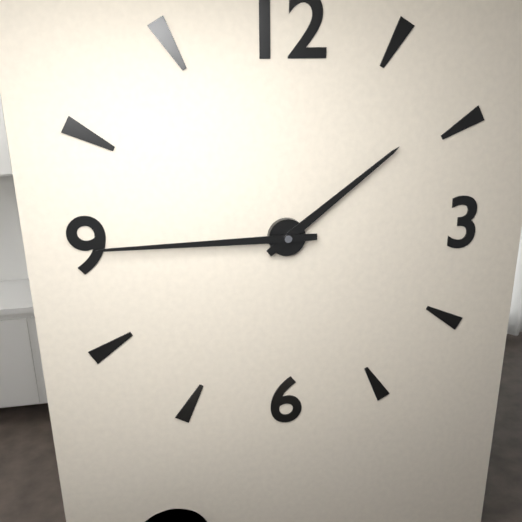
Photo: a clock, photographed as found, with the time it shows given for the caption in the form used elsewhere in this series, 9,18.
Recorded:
1,45
